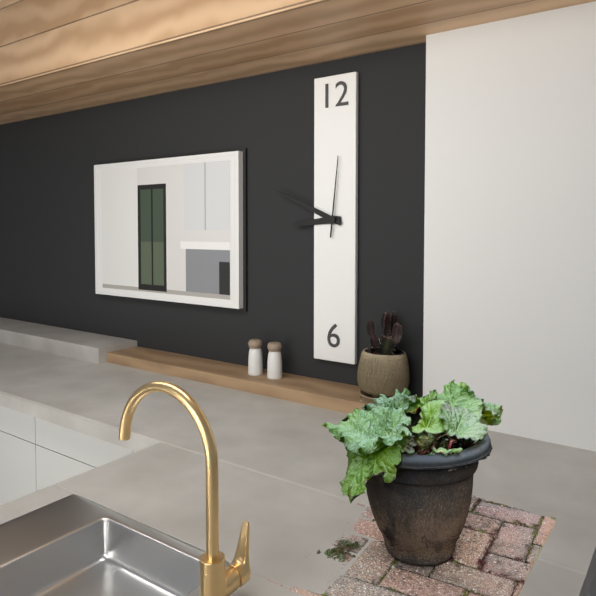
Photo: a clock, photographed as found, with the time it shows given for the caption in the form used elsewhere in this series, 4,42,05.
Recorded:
8,49,01
